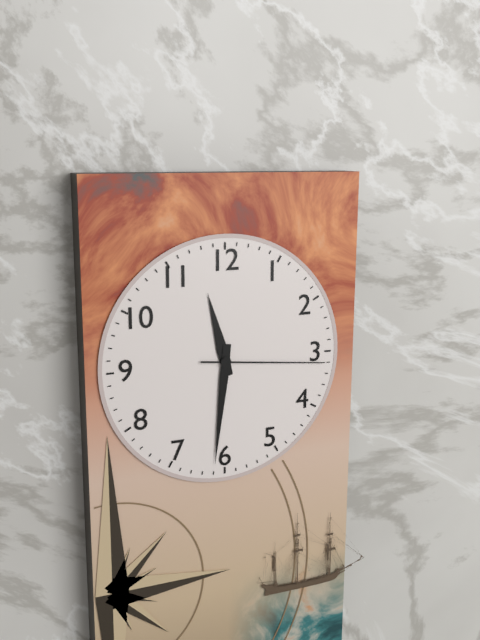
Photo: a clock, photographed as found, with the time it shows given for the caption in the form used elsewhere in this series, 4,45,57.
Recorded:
11,31,16
